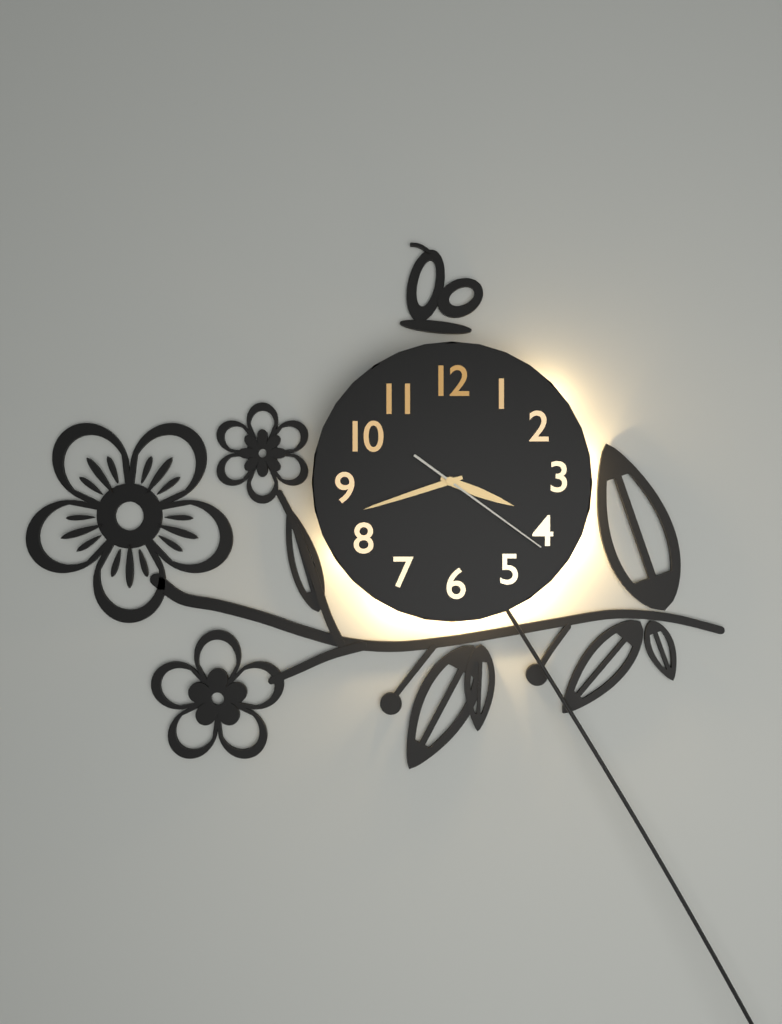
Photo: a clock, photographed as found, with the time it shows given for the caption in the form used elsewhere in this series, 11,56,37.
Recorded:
3,42,21
